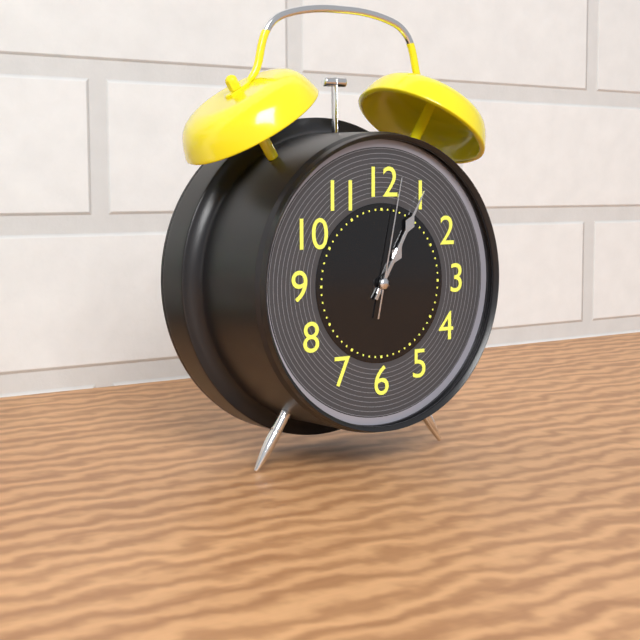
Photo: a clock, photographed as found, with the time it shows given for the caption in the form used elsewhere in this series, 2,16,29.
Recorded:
1,05,02
